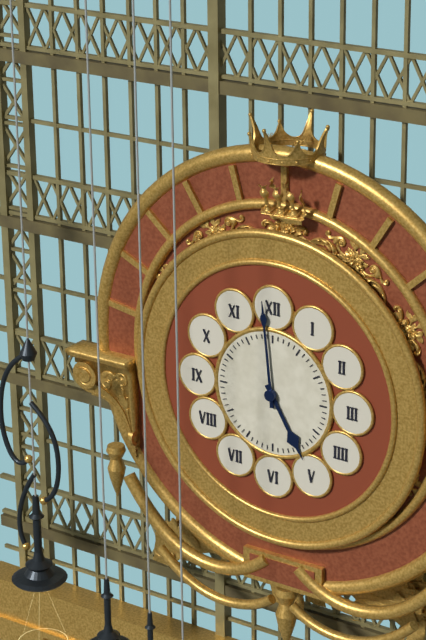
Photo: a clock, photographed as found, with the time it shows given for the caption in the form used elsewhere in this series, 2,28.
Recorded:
4,59
